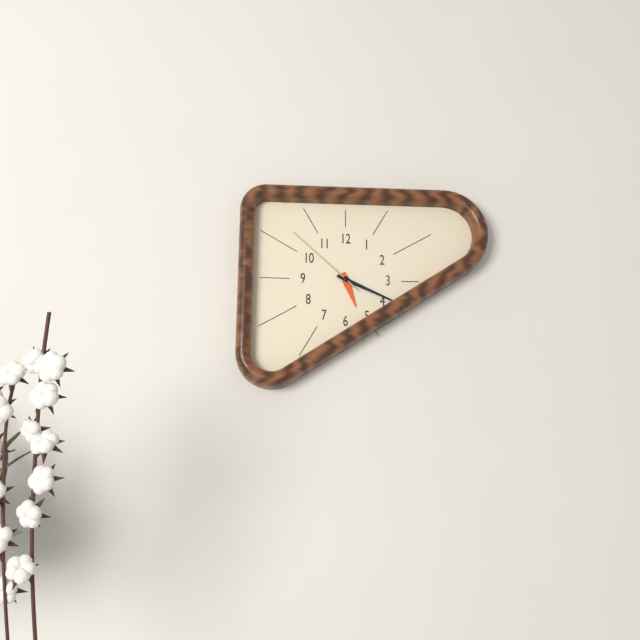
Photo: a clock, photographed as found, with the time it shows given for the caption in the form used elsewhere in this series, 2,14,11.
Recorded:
5,19,52
